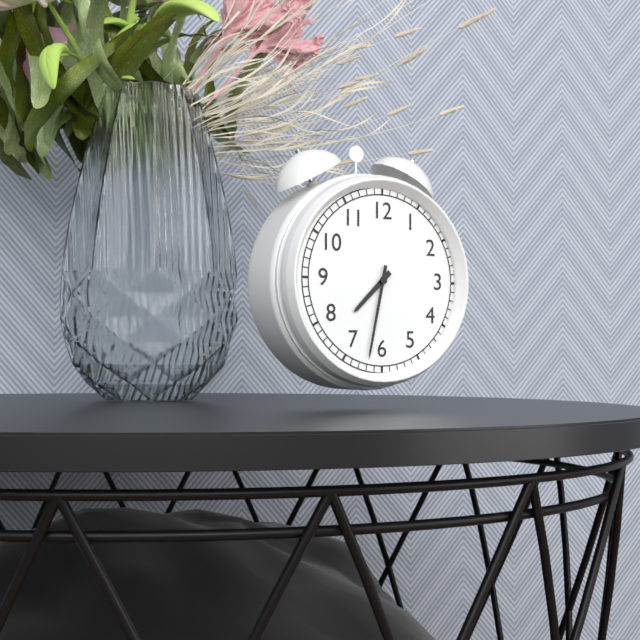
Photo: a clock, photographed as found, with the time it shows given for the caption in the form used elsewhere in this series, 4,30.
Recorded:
7,32
